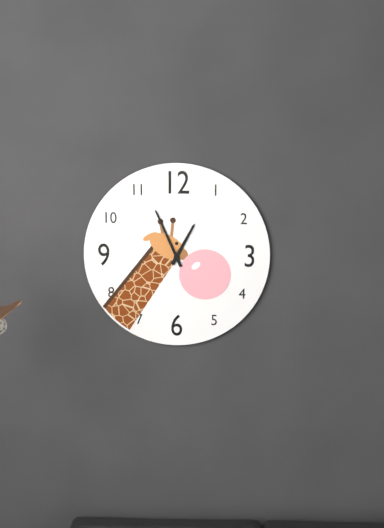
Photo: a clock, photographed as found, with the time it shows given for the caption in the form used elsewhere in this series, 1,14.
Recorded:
12,56
